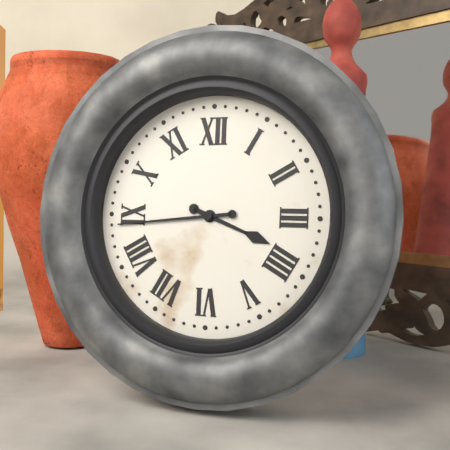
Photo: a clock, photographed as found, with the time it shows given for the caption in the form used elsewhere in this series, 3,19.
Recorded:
3,44
